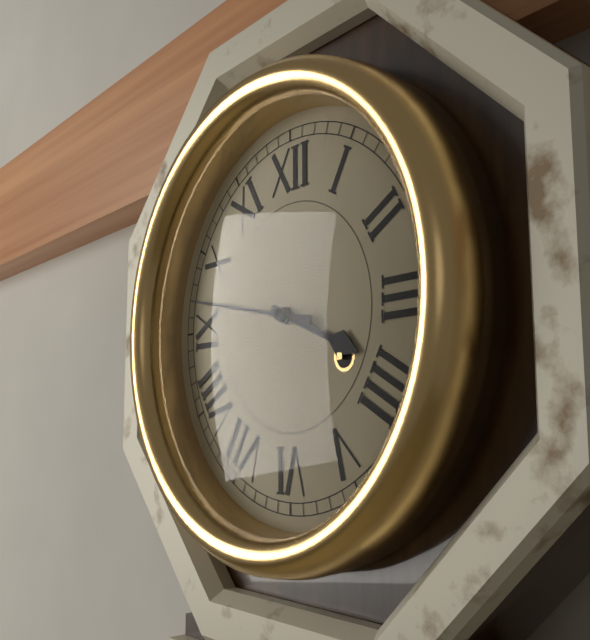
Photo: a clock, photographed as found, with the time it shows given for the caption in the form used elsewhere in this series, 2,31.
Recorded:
3,47
